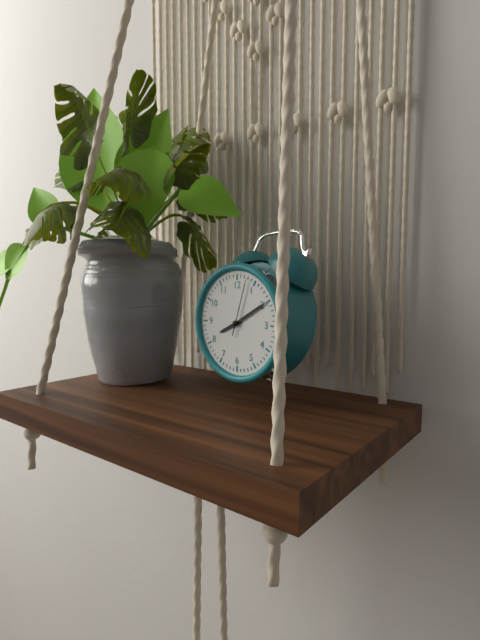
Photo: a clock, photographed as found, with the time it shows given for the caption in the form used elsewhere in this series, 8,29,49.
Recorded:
8,10,03
